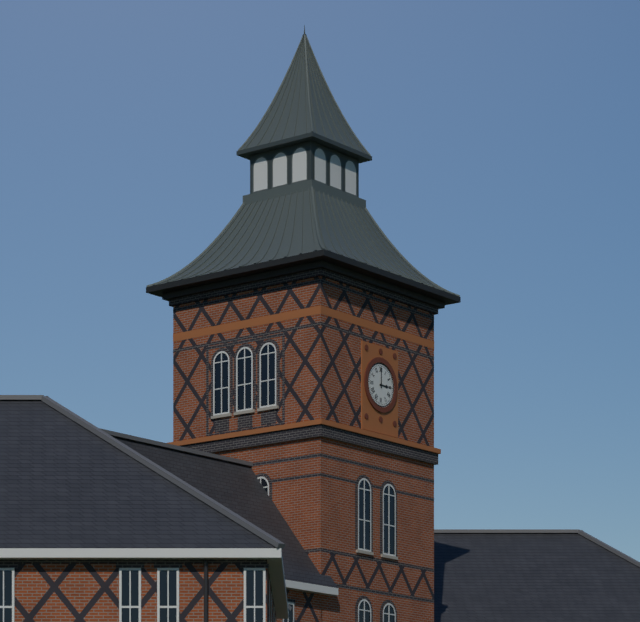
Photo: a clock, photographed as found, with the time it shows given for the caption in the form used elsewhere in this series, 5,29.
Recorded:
3,00
